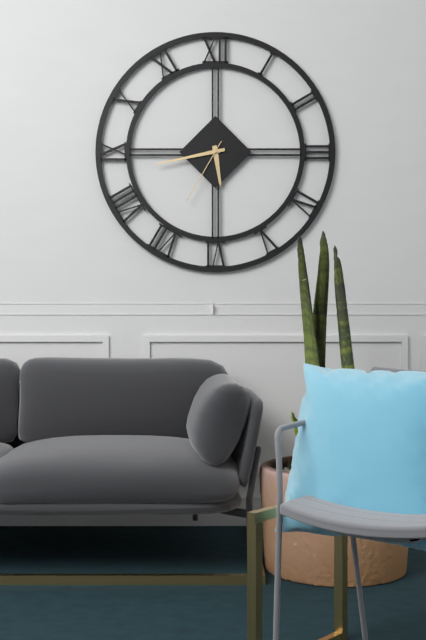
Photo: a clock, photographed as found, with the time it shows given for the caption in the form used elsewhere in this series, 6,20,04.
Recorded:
5,43,35
